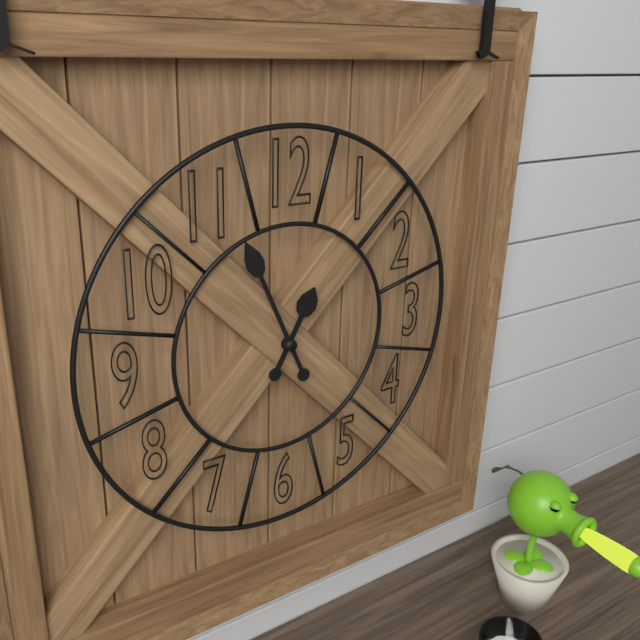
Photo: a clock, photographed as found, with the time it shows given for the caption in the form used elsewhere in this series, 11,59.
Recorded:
12,56
